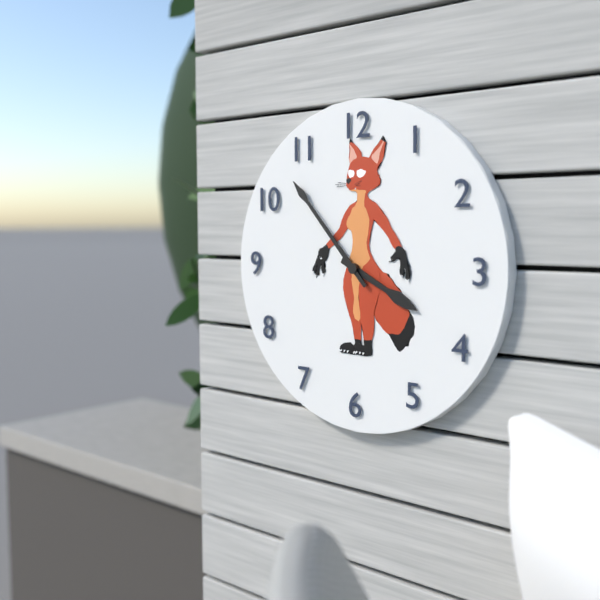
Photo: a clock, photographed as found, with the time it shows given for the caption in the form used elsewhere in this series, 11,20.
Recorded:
3,53
